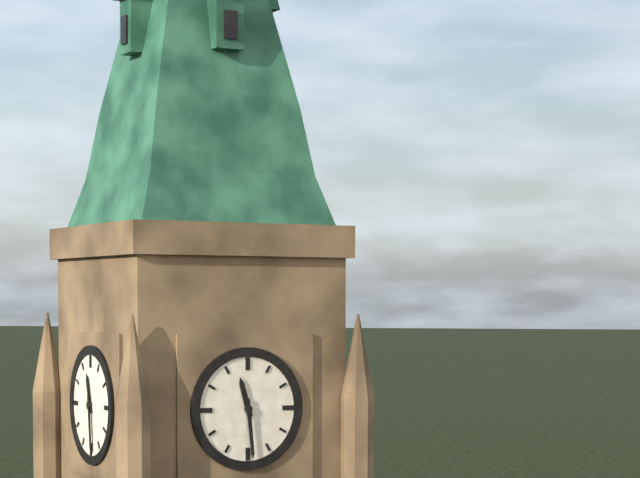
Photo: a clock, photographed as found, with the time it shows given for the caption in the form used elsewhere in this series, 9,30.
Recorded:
11,29
